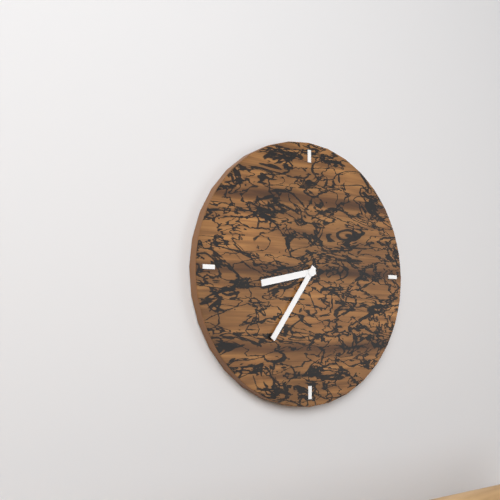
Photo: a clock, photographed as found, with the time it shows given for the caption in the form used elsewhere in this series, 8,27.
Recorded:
8,36
